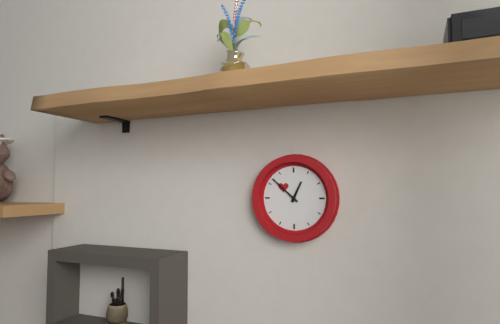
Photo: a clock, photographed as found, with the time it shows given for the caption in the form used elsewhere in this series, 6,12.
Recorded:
12,52
